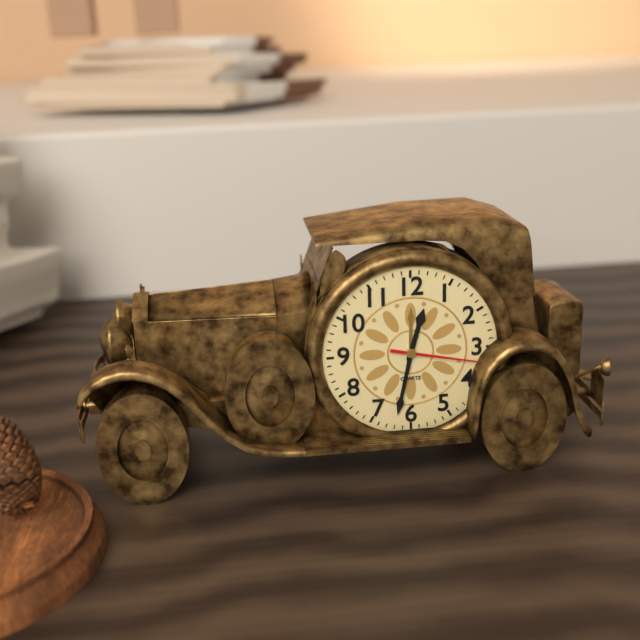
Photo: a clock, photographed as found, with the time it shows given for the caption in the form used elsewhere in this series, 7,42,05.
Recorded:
12,32,17
